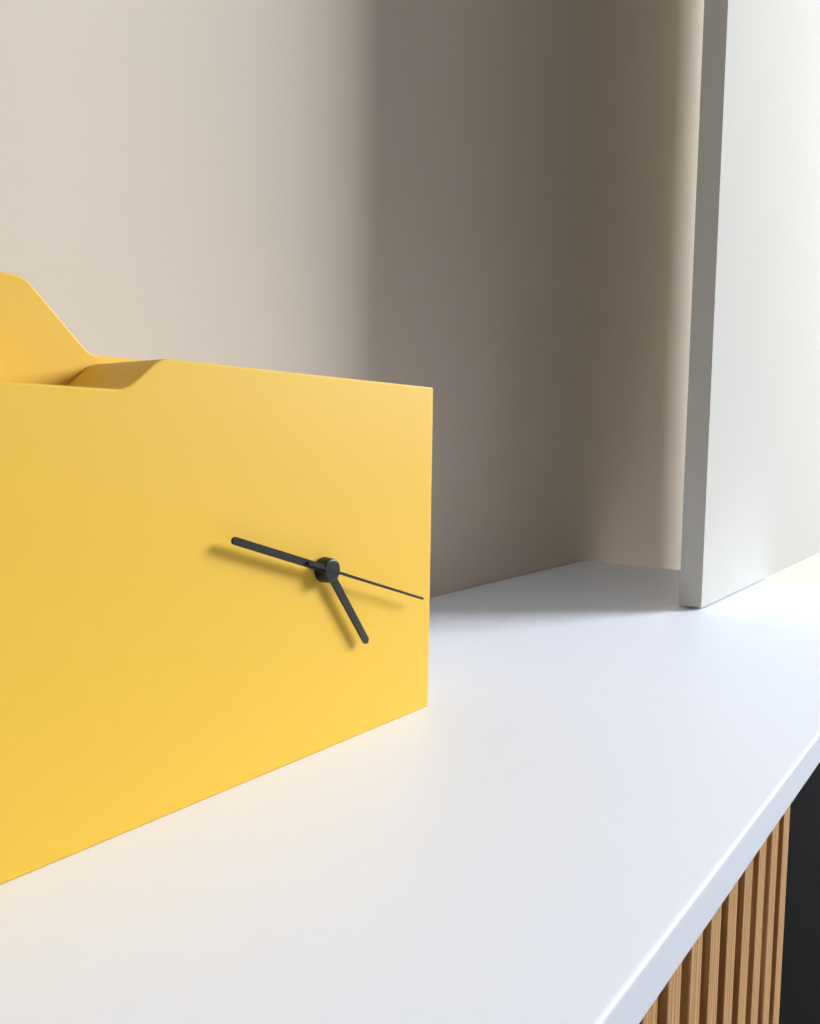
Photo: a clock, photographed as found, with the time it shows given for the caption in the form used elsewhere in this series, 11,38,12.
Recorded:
4,48,18
